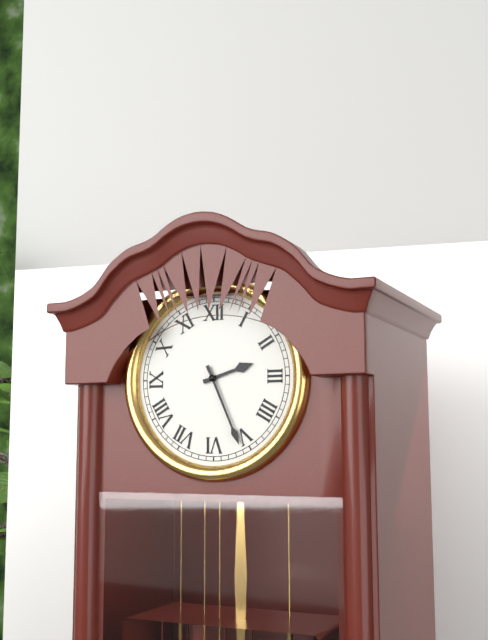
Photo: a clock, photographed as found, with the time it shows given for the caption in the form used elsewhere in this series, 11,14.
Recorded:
2,26
